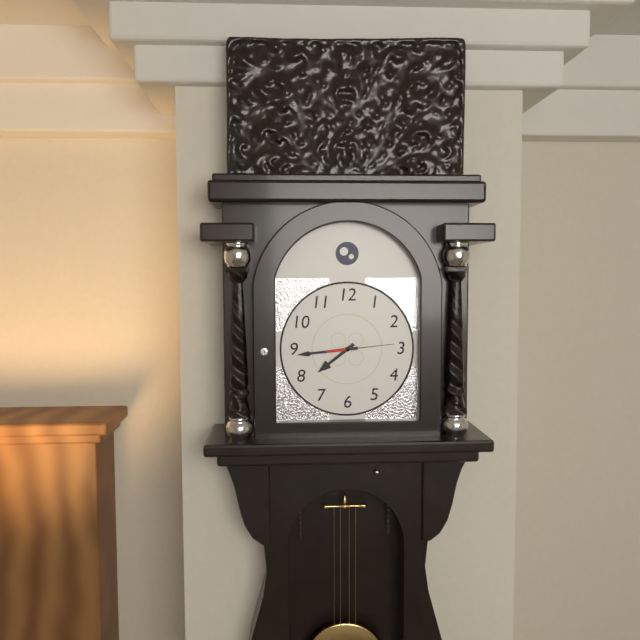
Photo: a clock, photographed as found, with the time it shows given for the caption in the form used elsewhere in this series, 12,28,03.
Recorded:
7,44,14
